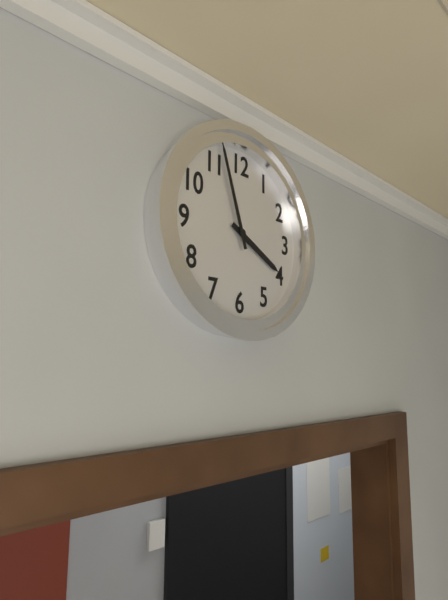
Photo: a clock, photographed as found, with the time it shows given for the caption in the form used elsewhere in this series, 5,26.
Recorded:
3,57
